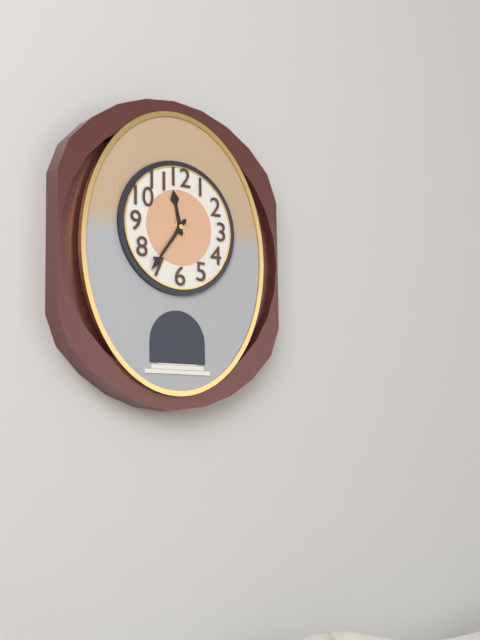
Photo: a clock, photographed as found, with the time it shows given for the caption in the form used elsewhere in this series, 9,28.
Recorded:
11,36
